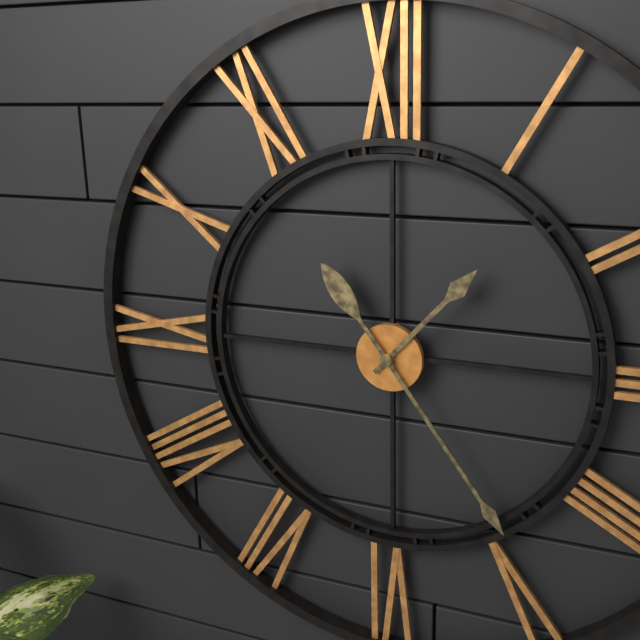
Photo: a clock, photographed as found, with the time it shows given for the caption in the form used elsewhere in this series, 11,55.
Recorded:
1,24
